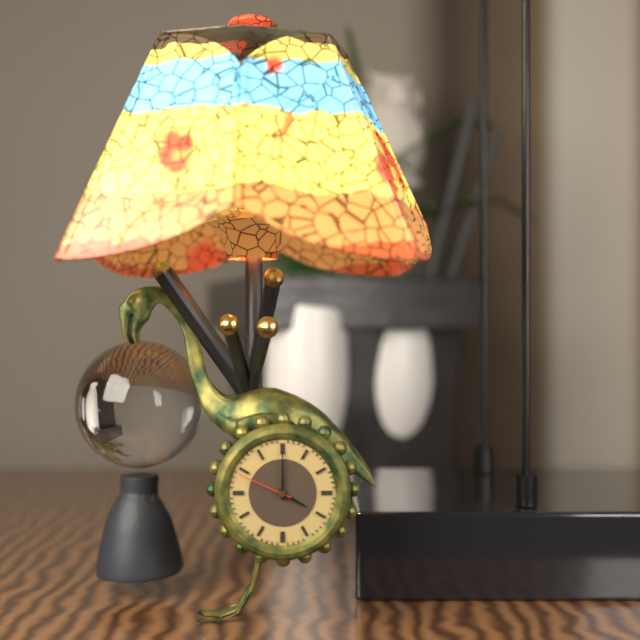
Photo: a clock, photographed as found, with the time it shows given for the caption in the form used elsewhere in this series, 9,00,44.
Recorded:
4,00,49
